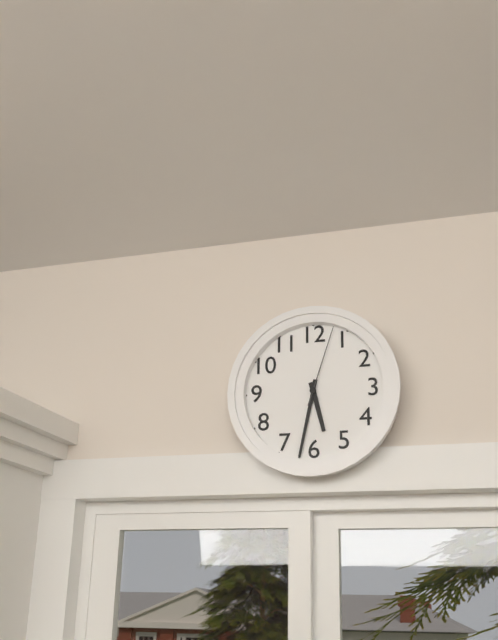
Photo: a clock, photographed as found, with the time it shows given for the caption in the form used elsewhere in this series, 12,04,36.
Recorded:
5,32,03
